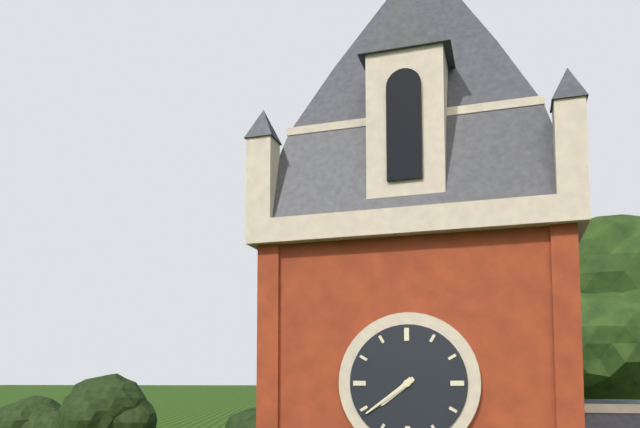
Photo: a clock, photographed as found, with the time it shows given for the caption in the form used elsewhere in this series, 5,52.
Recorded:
7,39
